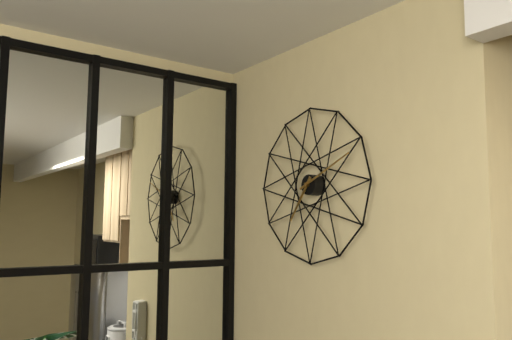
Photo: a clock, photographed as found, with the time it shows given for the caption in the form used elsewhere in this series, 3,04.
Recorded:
7,11
